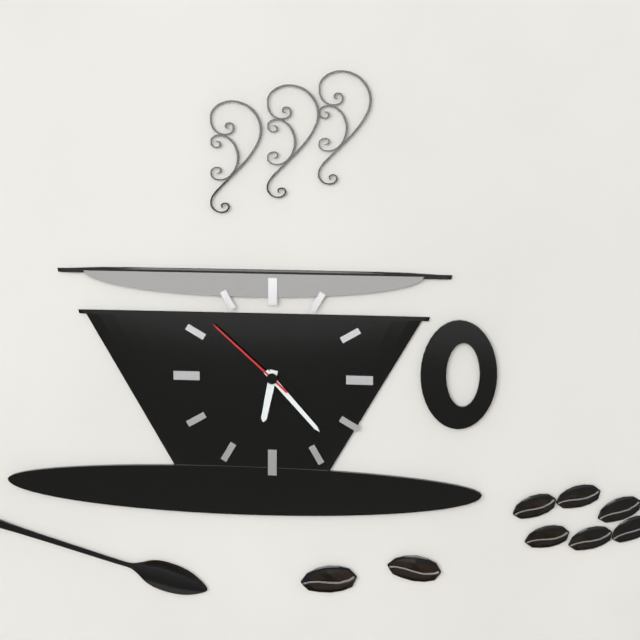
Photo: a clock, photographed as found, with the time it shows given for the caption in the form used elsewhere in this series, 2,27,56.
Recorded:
6,23,52
